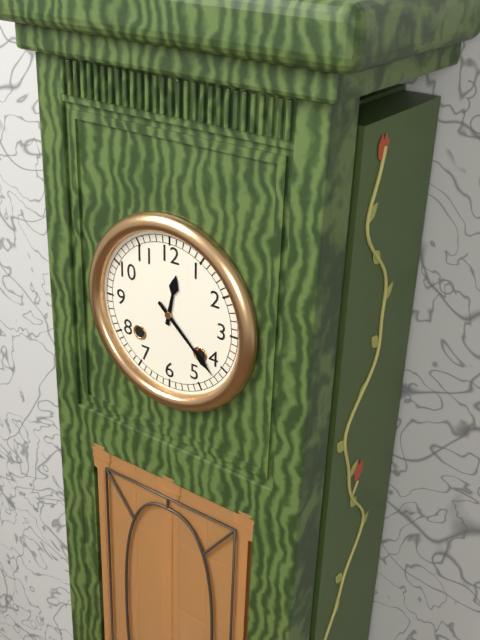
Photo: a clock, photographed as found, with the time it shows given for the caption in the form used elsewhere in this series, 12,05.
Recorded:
12,22
